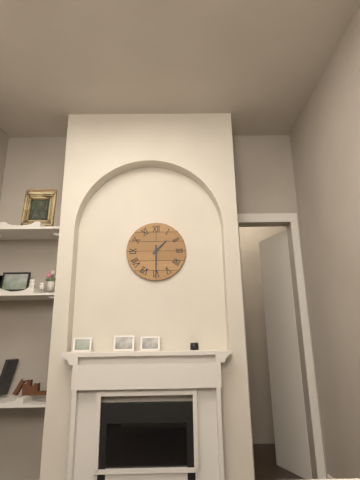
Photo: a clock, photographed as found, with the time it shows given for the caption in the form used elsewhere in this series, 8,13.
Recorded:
1,30
